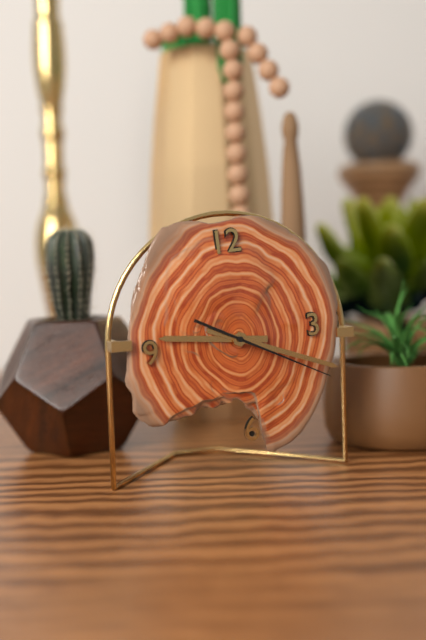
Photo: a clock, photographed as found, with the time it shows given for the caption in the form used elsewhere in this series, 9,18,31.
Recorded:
9,19,20
